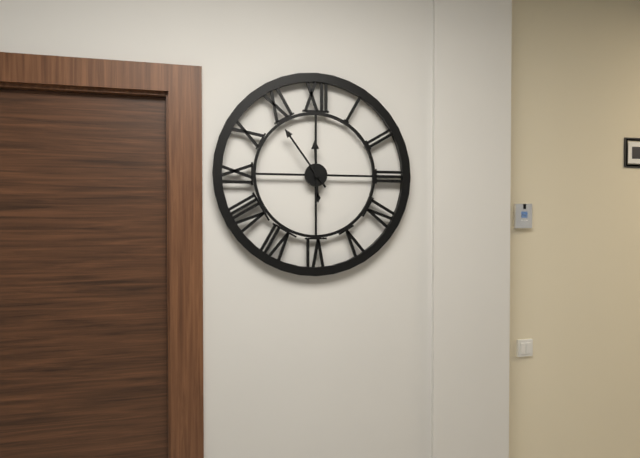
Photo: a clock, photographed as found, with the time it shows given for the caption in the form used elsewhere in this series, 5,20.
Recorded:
11,54
